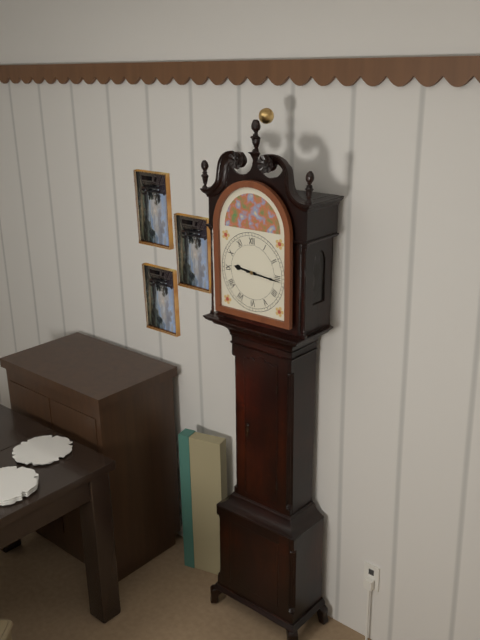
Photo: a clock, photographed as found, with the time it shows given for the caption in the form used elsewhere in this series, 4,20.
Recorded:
9,16
